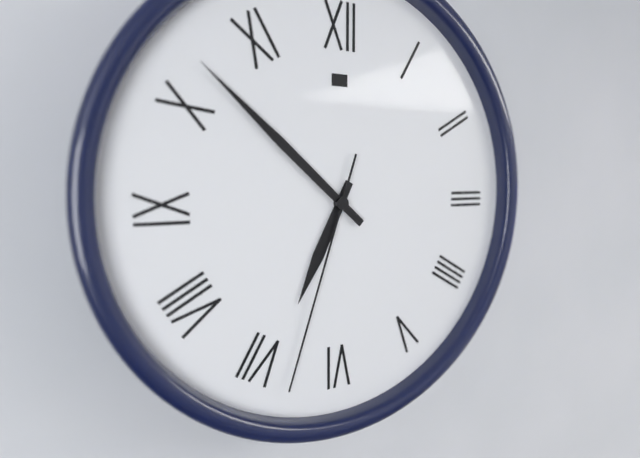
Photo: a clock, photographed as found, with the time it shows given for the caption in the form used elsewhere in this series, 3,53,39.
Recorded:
6,52,33
